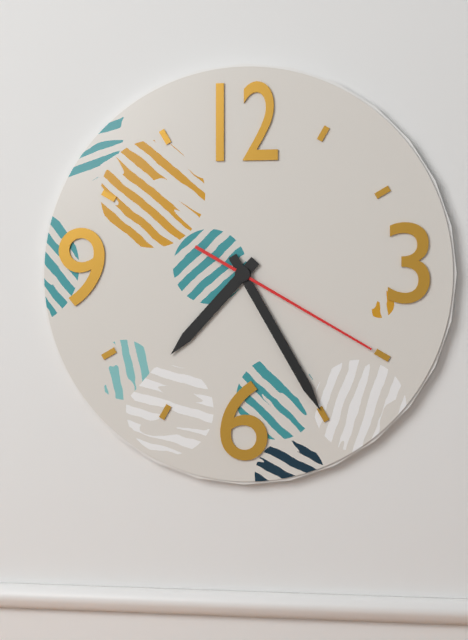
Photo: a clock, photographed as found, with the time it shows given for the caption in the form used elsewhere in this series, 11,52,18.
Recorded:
7,25,20
